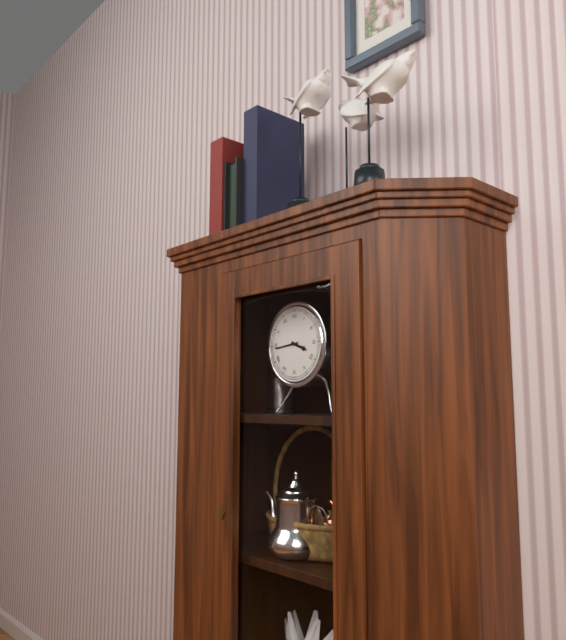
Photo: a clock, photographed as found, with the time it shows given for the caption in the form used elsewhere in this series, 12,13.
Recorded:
3,44
